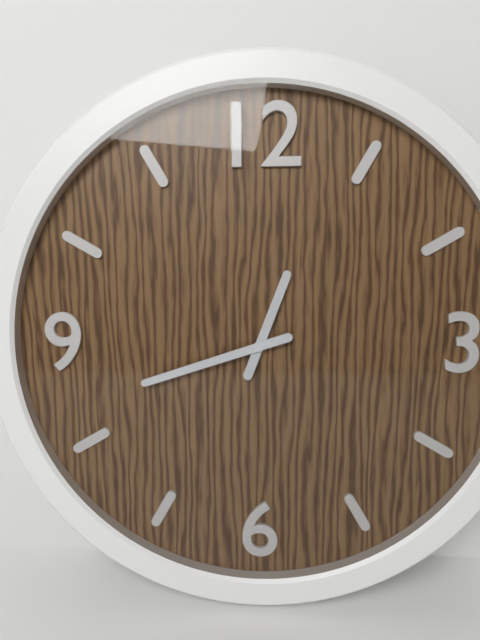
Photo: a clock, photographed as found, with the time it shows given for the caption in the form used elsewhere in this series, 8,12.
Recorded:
12,42
